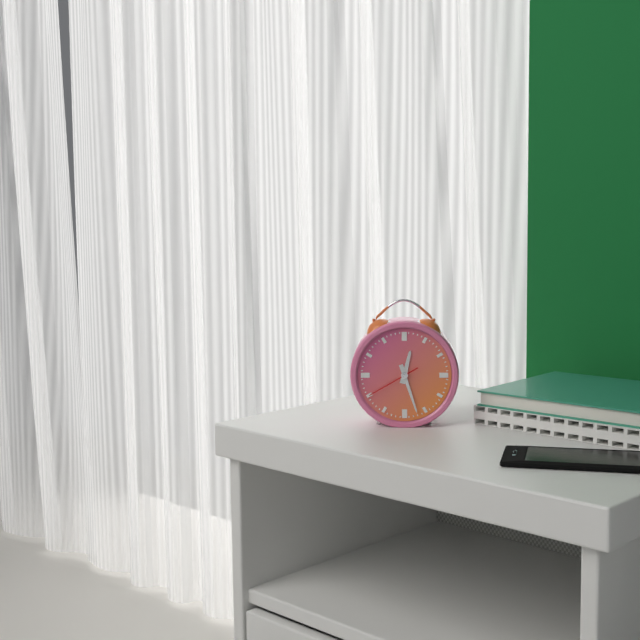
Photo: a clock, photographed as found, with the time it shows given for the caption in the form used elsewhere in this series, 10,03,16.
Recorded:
12,27,40
